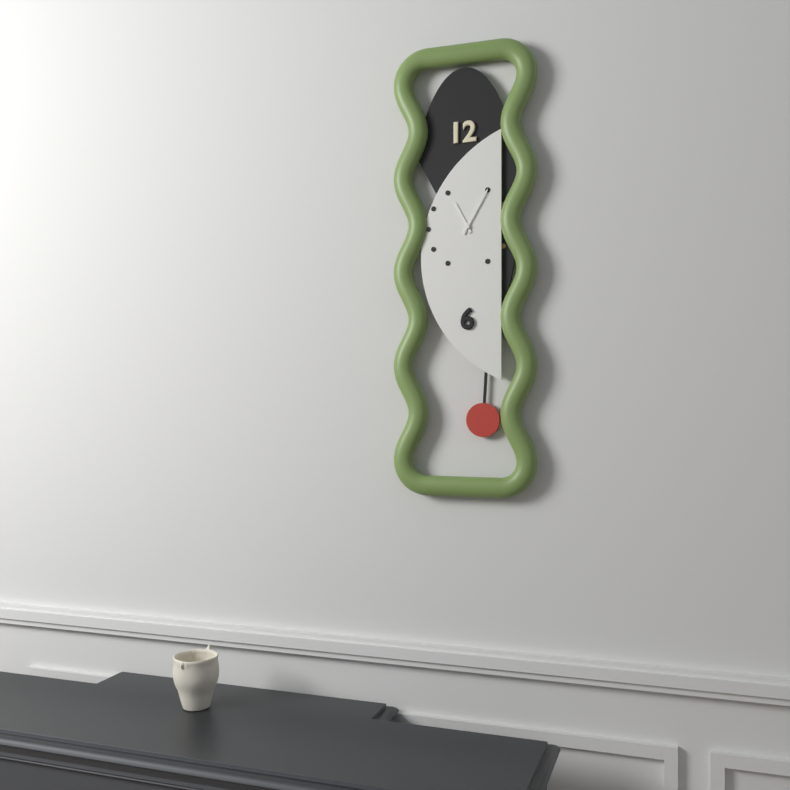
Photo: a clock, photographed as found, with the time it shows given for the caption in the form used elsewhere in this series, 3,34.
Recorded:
11,05
